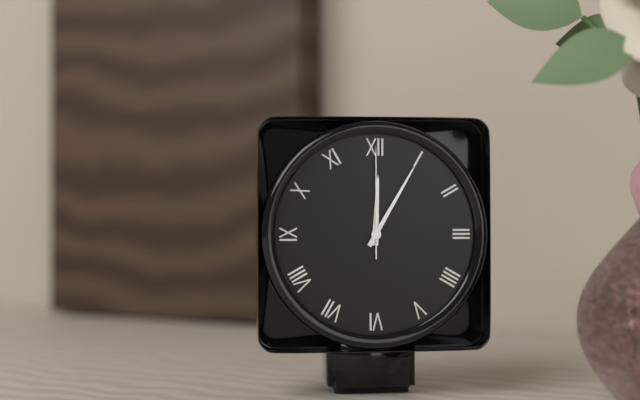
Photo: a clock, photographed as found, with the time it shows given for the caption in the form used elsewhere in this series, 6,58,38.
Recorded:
12,05,00
